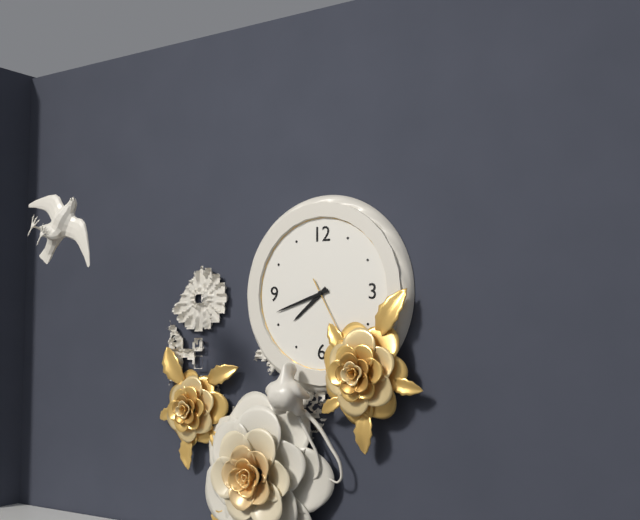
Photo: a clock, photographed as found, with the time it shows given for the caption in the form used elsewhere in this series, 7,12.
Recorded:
7,42
